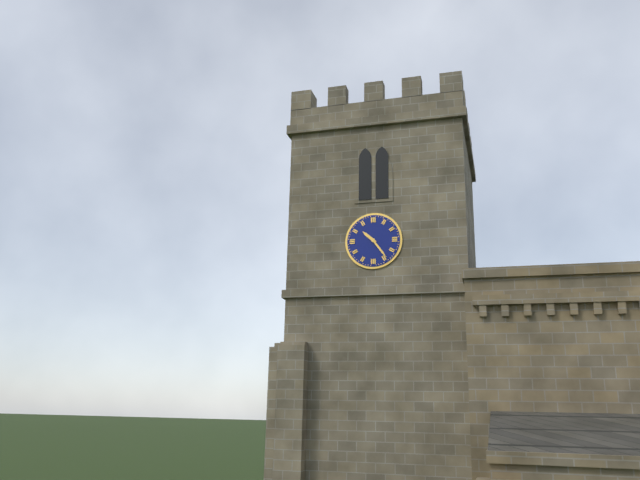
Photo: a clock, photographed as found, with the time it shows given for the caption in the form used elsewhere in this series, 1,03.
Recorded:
10,24
